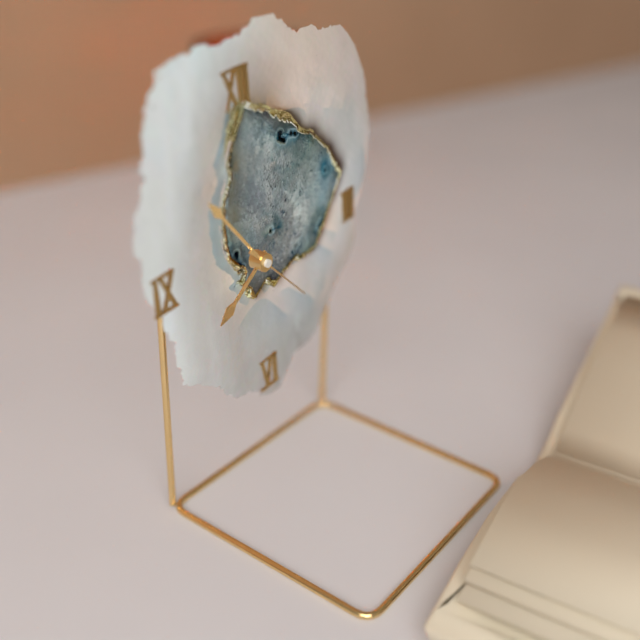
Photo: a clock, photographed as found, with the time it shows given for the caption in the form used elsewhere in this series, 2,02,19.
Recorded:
7,54,23
